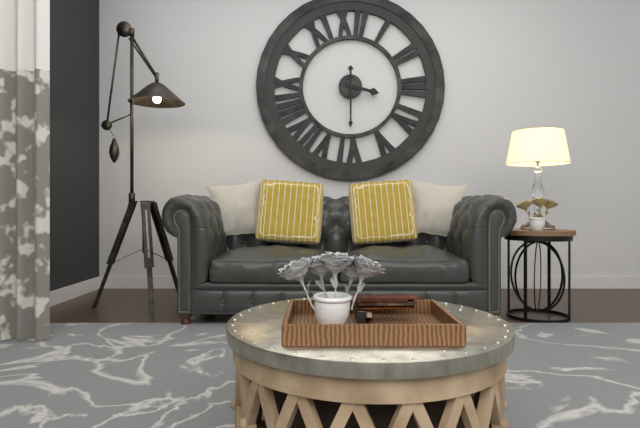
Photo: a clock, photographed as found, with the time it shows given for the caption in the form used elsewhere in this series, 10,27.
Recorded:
3,30
